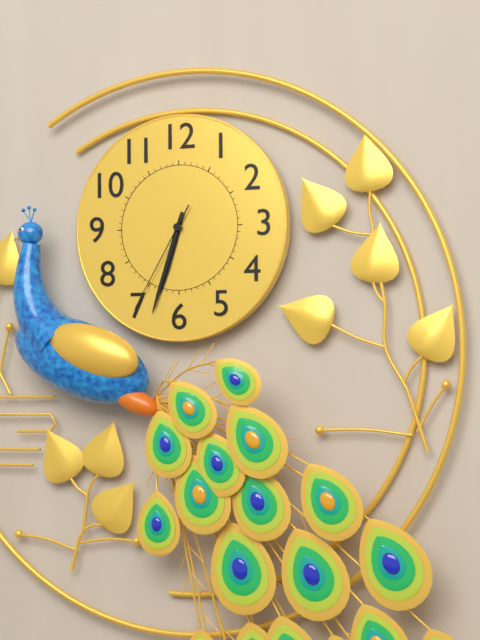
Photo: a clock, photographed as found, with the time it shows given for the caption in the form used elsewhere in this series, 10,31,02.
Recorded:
6,33,35
